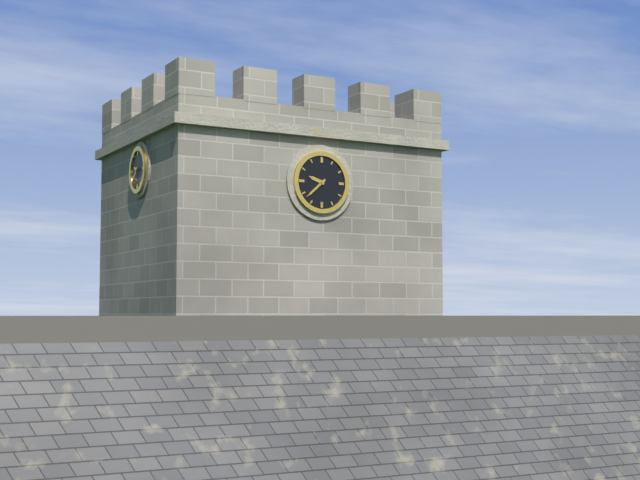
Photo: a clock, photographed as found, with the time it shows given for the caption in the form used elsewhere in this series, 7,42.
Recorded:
9,38
